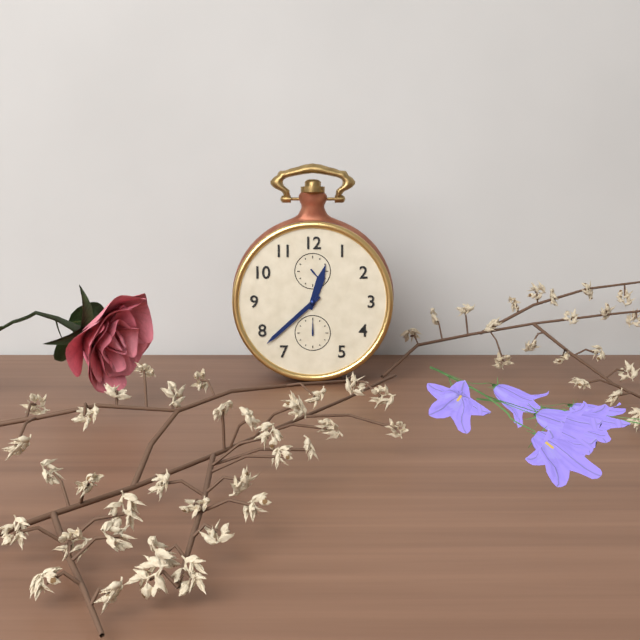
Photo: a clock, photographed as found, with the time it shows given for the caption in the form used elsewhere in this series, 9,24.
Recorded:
12,38
